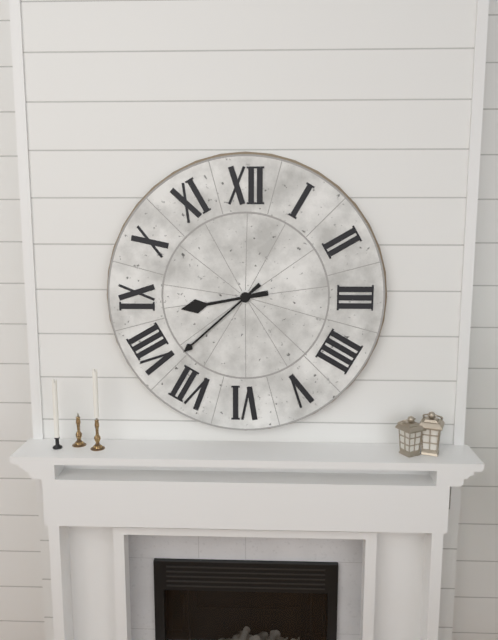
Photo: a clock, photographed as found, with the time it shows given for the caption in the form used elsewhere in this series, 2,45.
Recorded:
8,38
